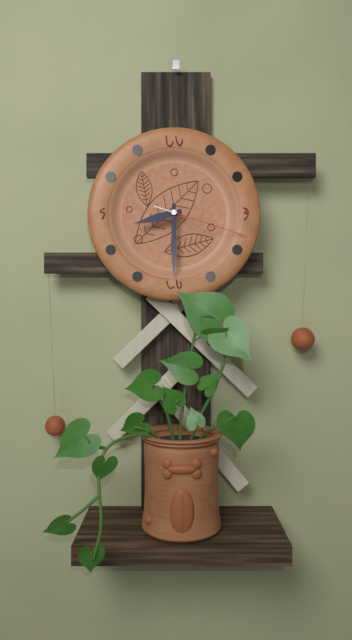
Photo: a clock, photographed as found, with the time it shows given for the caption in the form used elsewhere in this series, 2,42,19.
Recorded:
8,30,18
